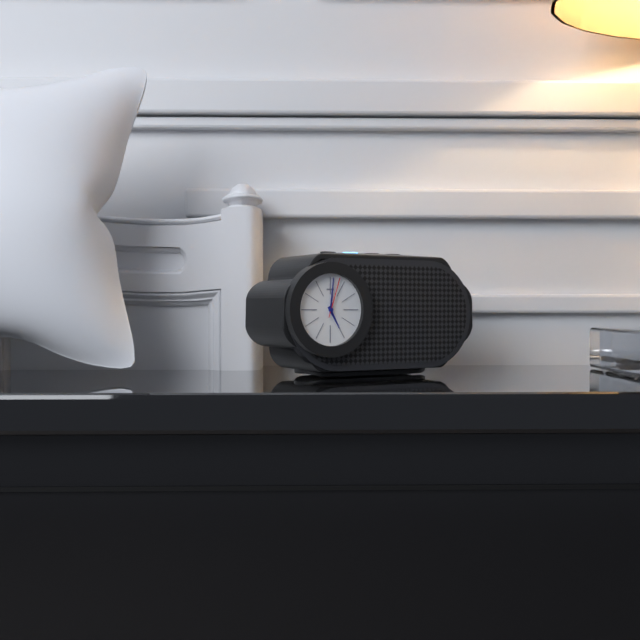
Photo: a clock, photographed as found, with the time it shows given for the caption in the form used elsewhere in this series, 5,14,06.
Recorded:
5,01,03
